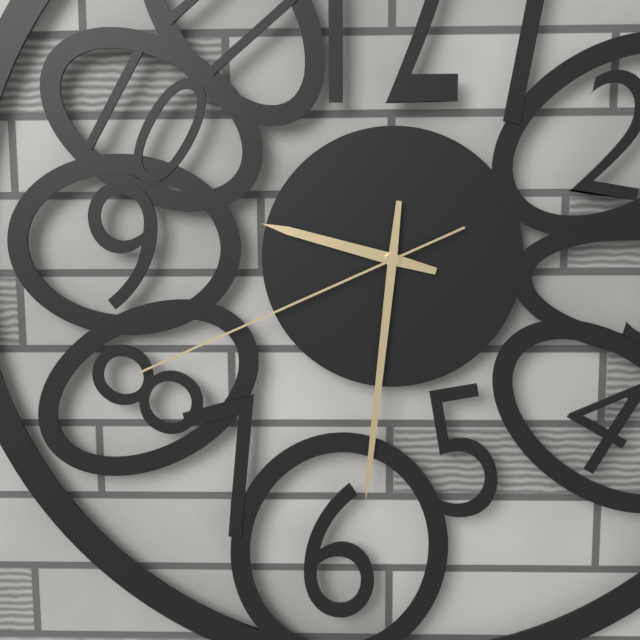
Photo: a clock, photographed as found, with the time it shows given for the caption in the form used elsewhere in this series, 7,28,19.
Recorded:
9,31,41
